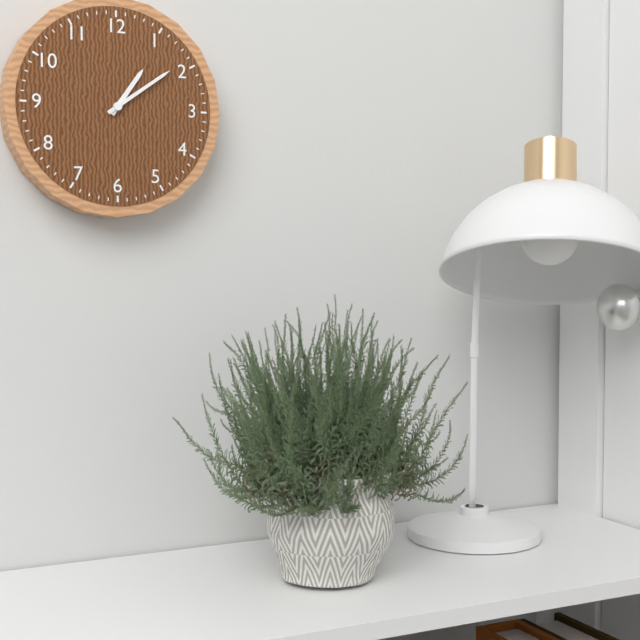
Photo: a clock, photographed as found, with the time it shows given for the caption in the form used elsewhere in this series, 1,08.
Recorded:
1,09
